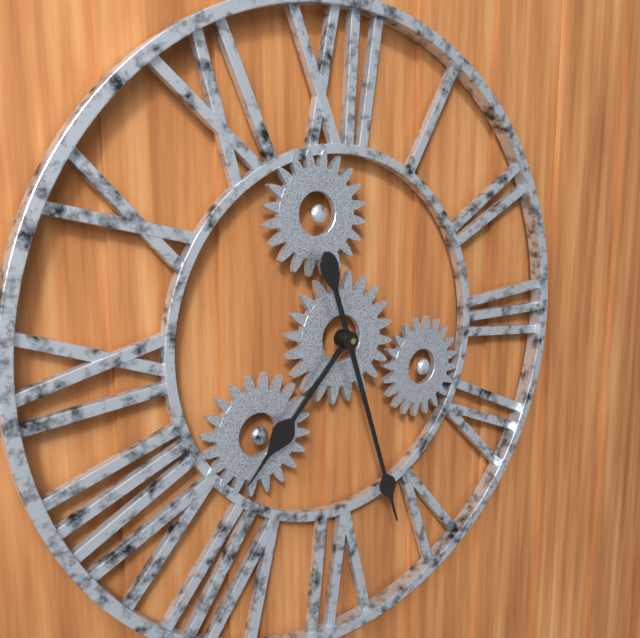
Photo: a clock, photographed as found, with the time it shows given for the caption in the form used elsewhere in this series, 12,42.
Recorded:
7,27
